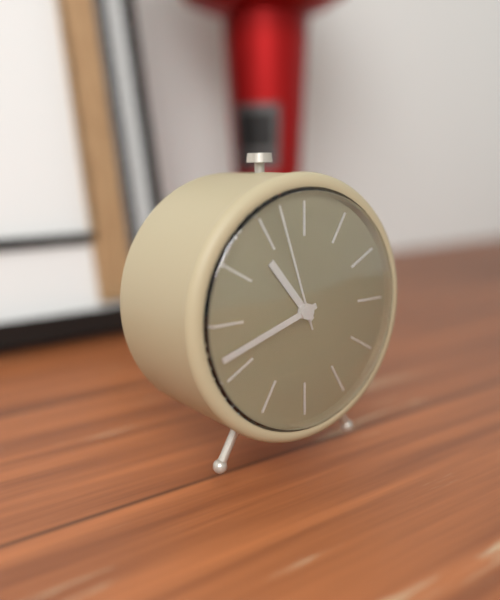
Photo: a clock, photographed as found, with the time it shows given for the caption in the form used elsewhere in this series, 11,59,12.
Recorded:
10,42,57
